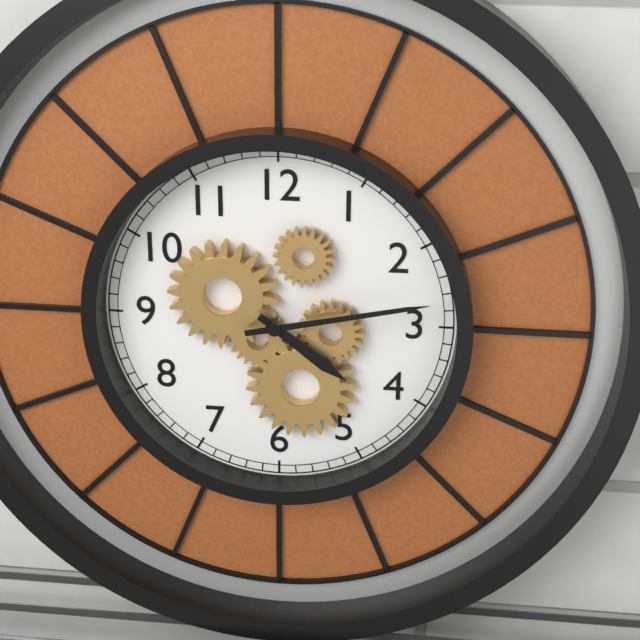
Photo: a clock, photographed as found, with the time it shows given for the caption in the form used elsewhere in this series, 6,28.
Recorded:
4,13
